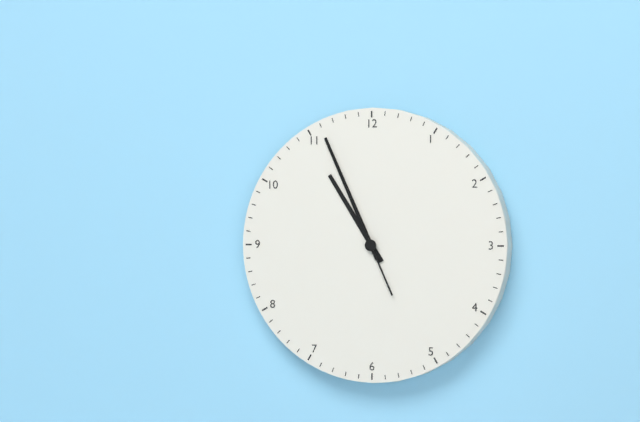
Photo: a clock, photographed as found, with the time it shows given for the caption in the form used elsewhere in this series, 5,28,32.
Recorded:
10,56,56
